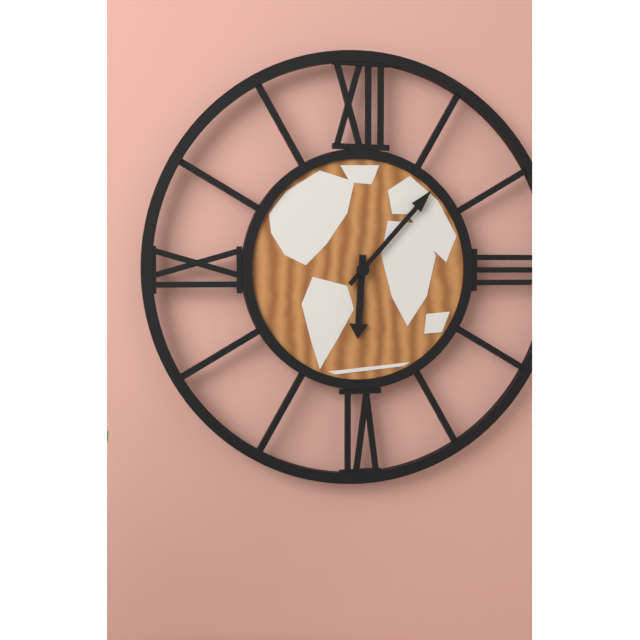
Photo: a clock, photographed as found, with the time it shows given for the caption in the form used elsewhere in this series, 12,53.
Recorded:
6,07
